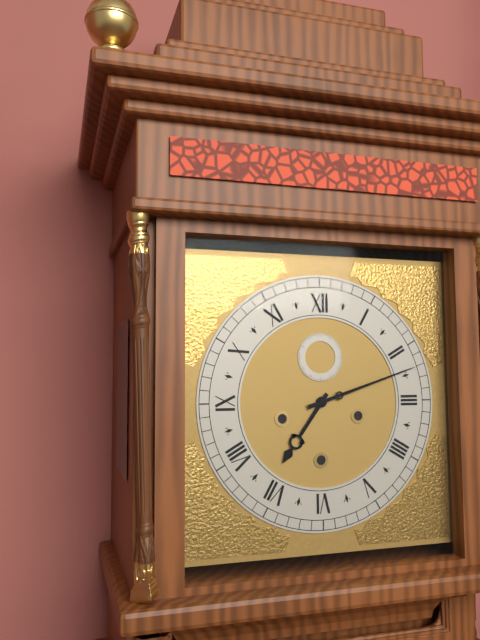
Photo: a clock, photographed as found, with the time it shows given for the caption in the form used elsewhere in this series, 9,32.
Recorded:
7,12
